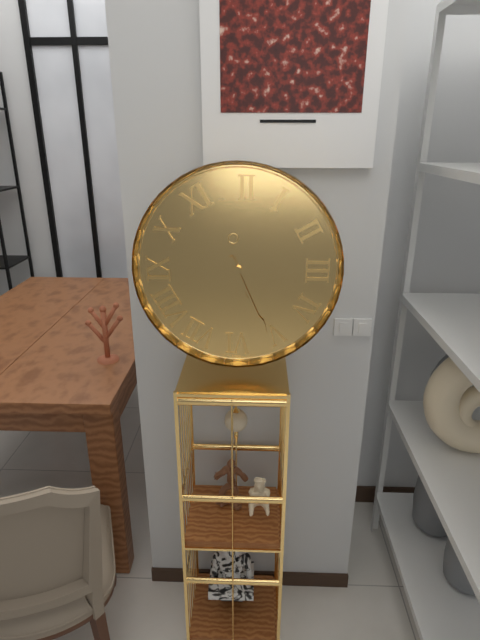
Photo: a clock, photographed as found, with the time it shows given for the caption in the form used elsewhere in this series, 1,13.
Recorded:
5,26
